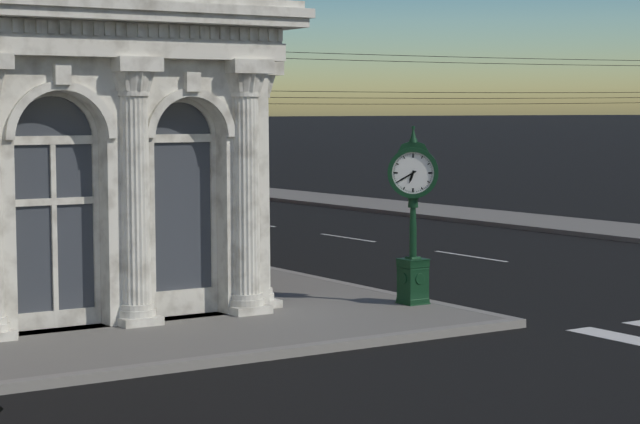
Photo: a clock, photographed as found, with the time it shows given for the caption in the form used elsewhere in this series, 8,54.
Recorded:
6,40
